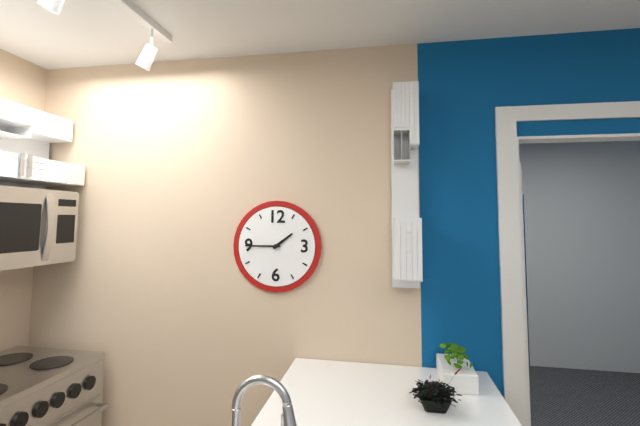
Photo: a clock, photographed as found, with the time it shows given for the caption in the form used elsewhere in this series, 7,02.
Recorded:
1,45
